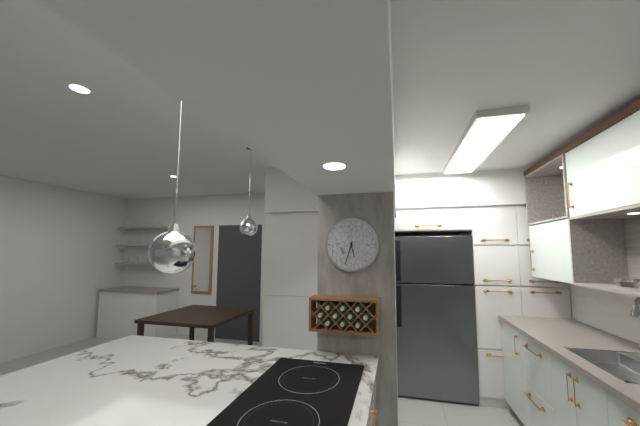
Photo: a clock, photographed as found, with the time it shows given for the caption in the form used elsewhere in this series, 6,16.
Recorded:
5,33
